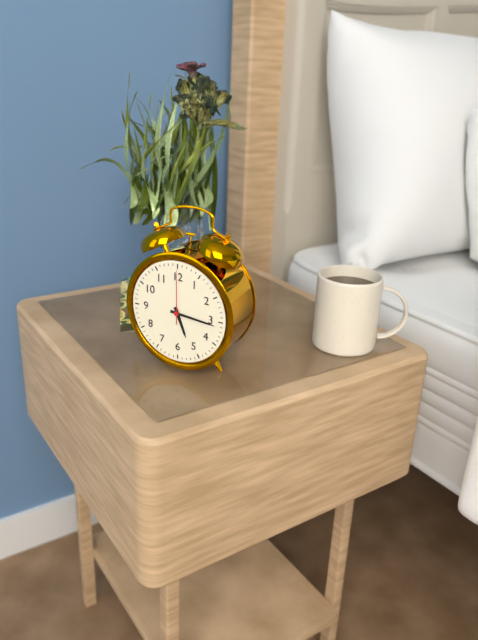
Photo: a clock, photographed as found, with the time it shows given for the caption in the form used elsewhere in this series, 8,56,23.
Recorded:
5,16,00
